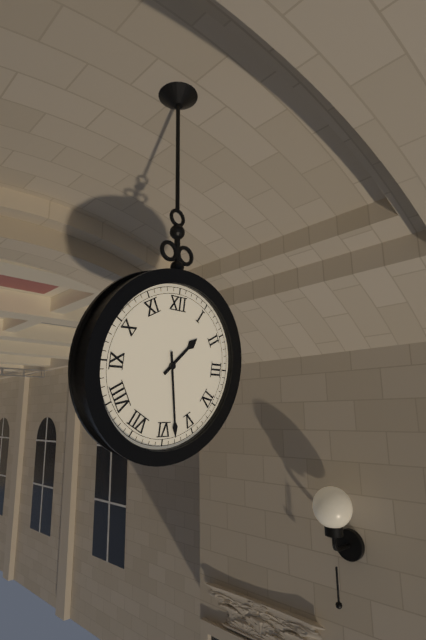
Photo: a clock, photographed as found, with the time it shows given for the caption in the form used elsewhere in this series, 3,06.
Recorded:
1,28
